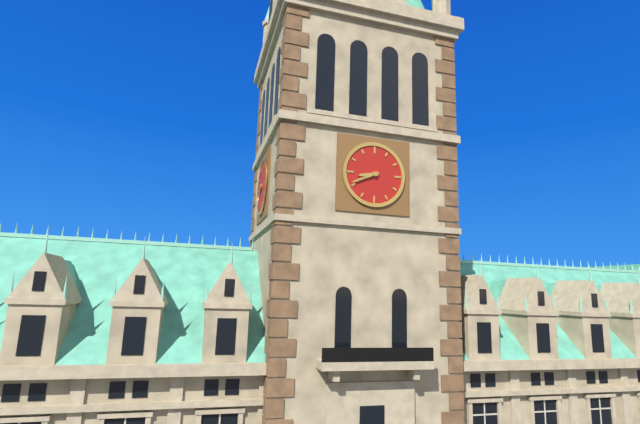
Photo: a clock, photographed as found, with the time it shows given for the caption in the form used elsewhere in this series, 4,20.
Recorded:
8,41
